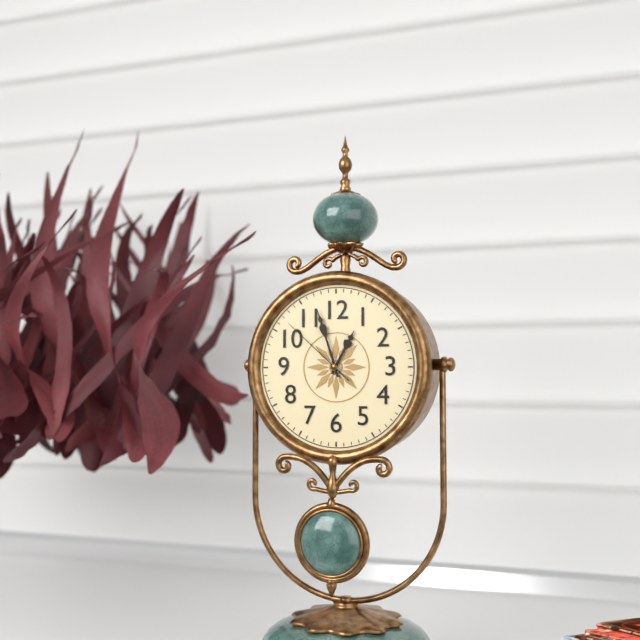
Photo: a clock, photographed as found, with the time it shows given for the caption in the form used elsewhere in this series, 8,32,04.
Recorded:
12,57,52
